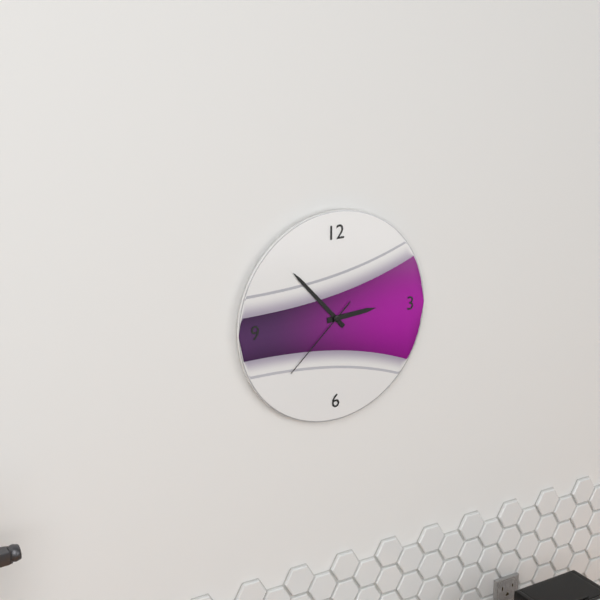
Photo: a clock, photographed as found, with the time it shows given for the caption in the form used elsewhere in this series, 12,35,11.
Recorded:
2,53,38
